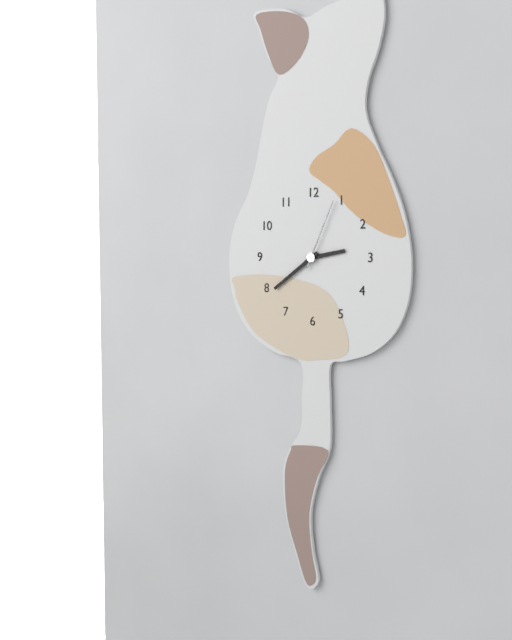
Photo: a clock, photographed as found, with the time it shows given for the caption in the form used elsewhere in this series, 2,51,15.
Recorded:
2,39,04
